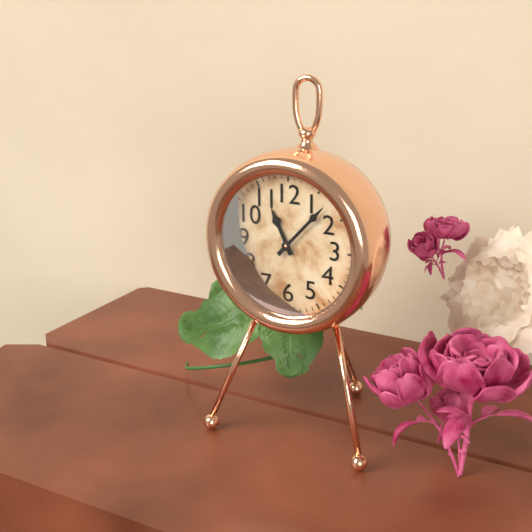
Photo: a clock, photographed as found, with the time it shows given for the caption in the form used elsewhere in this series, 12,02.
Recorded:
11,07
